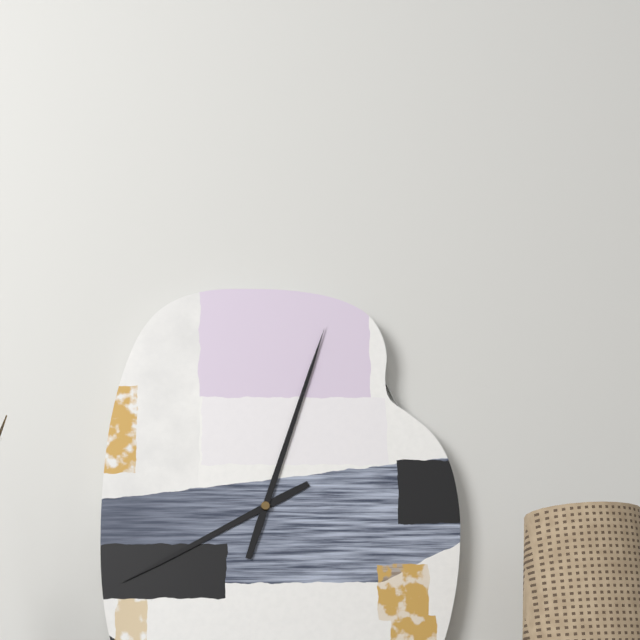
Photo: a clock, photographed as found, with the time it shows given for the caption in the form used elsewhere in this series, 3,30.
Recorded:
8,03
